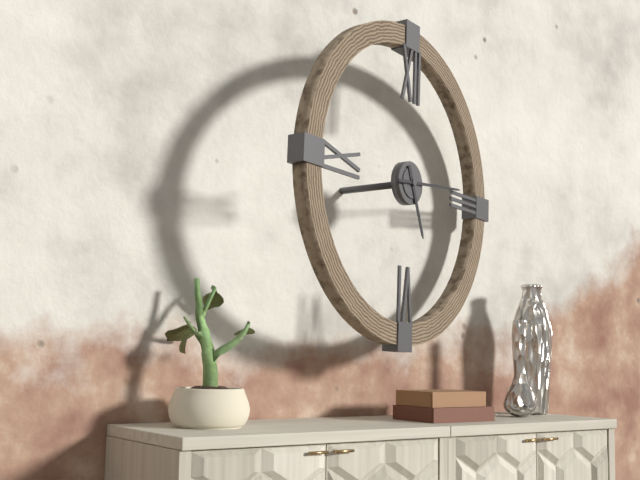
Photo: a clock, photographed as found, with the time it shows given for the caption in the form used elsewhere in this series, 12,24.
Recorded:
5,14
